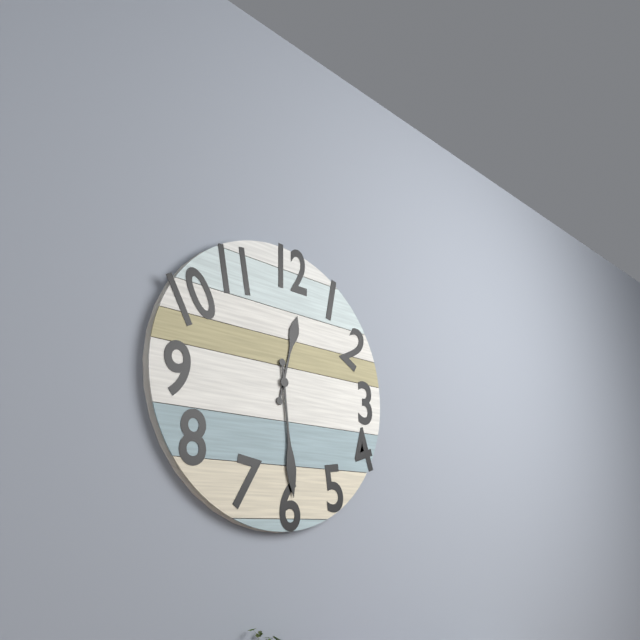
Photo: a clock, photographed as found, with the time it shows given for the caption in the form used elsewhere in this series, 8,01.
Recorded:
12,29
